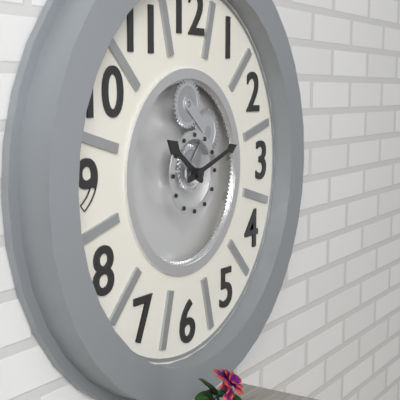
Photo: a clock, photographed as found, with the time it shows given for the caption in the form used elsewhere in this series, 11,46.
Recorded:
10,12
